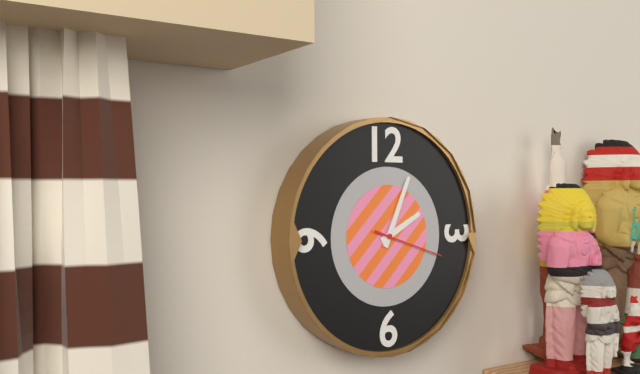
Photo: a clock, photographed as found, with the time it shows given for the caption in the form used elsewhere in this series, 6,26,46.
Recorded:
2,04,18
